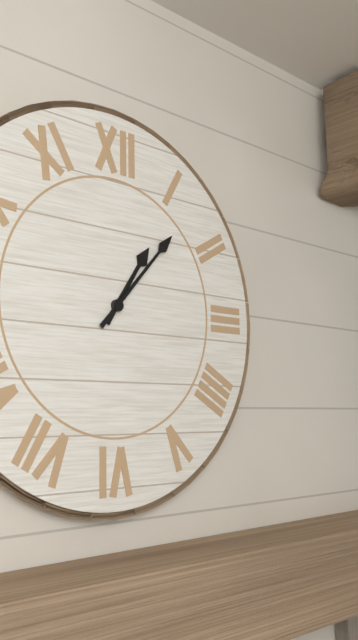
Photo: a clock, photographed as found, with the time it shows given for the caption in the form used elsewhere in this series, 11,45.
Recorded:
1,07
